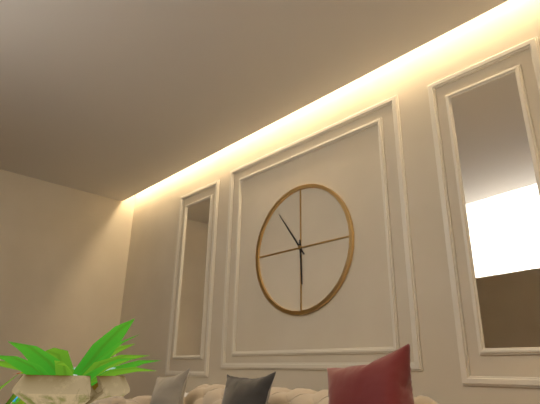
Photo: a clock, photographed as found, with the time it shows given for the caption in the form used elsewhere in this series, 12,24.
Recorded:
5,54
